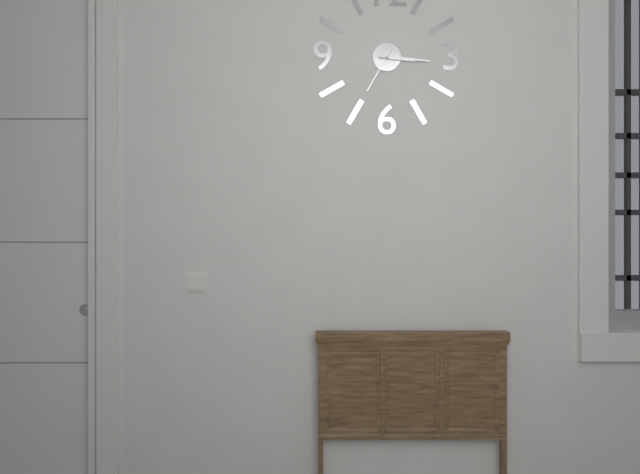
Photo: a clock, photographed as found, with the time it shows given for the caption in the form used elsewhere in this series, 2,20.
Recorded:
3,16
